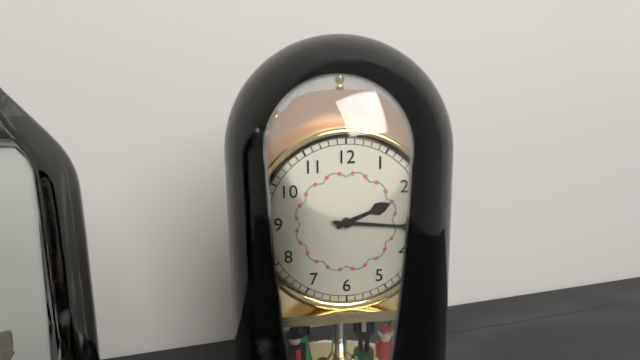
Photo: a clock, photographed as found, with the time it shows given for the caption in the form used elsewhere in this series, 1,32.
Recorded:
2,16
